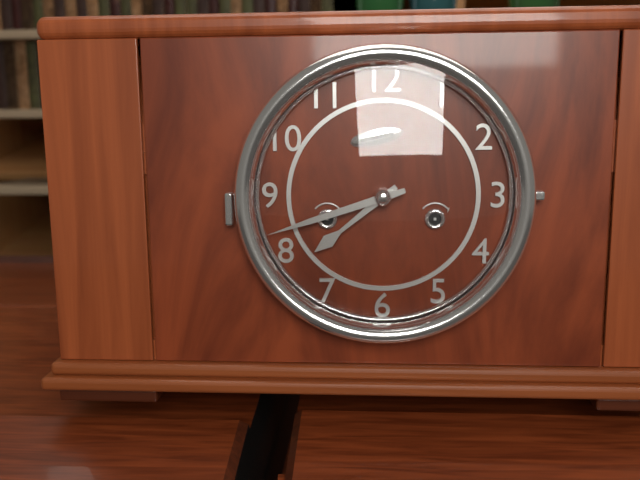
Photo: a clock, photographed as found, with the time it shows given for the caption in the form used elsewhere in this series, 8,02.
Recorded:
7,42
